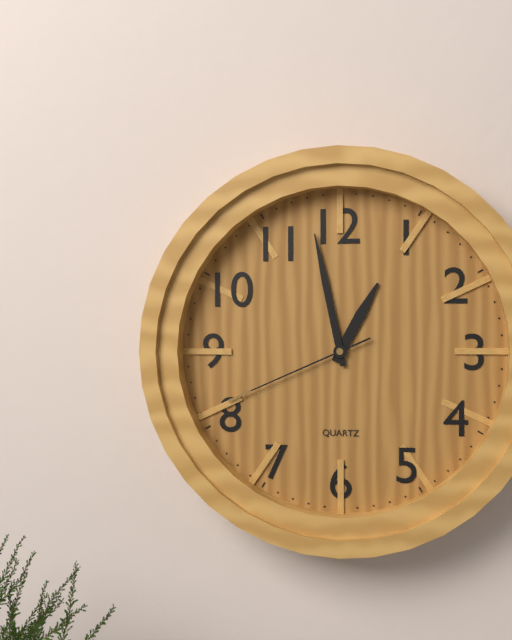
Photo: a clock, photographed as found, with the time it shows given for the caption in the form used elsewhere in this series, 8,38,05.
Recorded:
12,58,41
